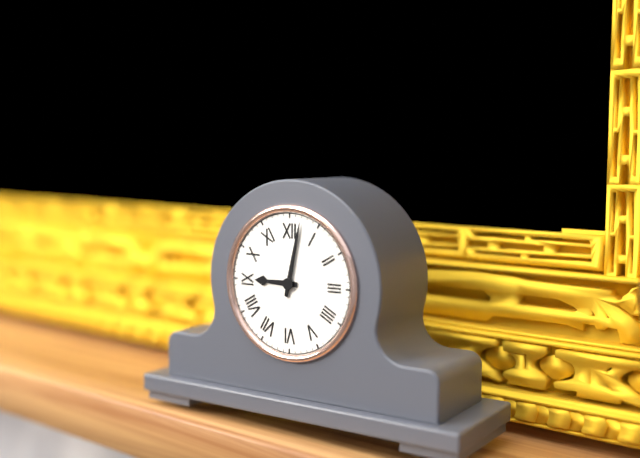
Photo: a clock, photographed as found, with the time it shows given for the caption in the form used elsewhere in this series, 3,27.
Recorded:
9,02
